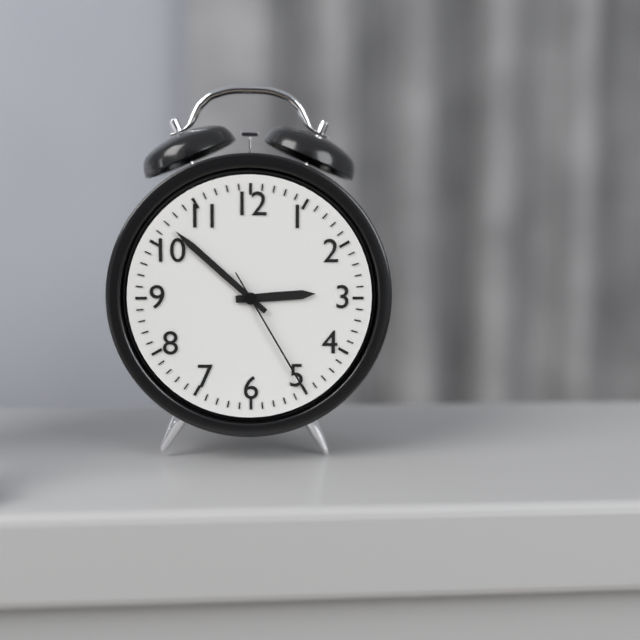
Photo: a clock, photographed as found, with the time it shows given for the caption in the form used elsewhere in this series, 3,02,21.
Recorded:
2,52,25
